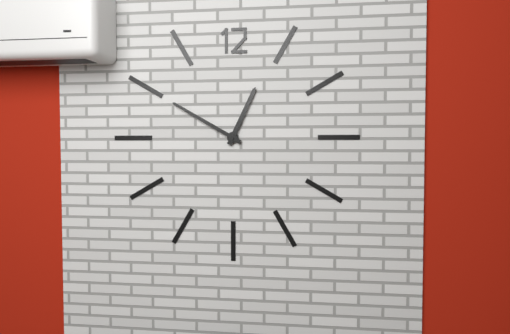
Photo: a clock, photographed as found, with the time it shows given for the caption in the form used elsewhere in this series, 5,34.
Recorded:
12,50
